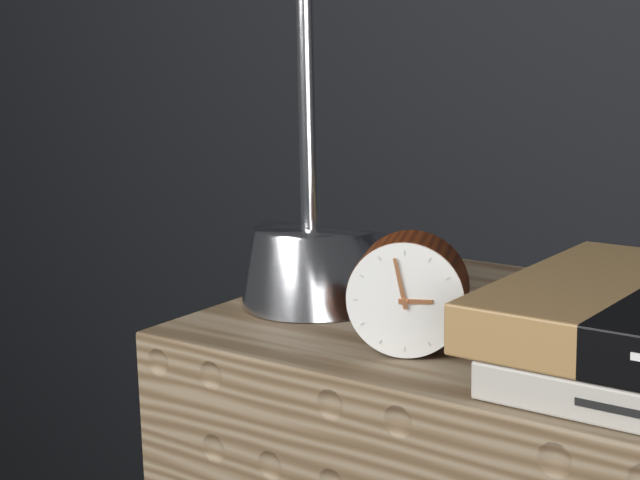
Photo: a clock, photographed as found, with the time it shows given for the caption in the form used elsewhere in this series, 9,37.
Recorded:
2,58
